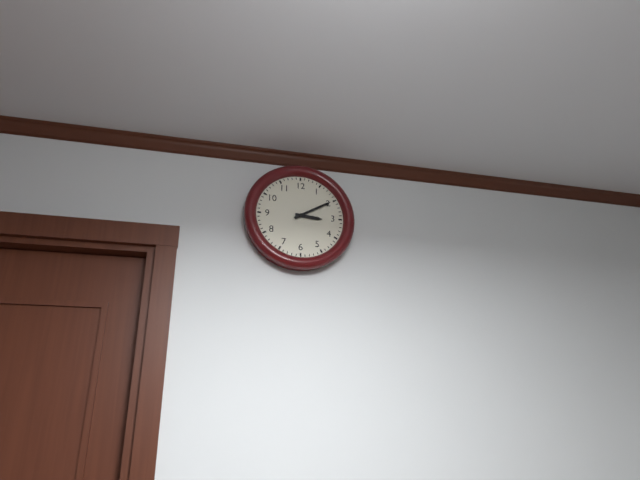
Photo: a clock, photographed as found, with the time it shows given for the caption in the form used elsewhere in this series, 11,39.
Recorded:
3,10
